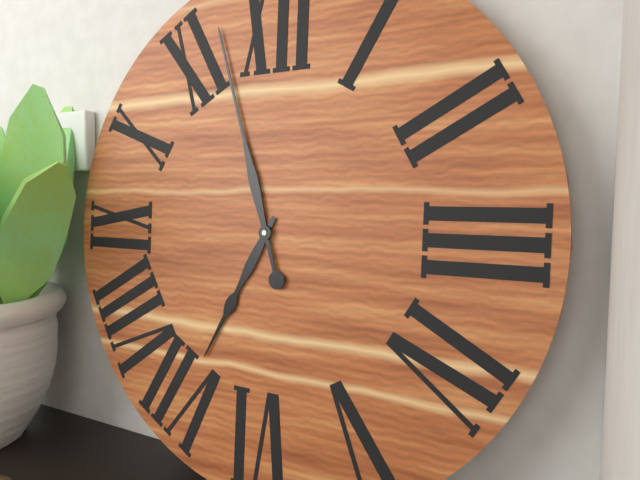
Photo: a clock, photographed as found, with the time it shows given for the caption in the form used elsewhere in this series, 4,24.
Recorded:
6,57
